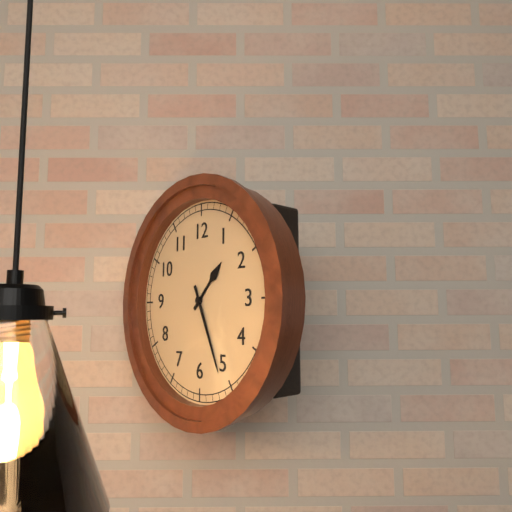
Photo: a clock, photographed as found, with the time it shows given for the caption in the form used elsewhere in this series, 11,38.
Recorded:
1,26
